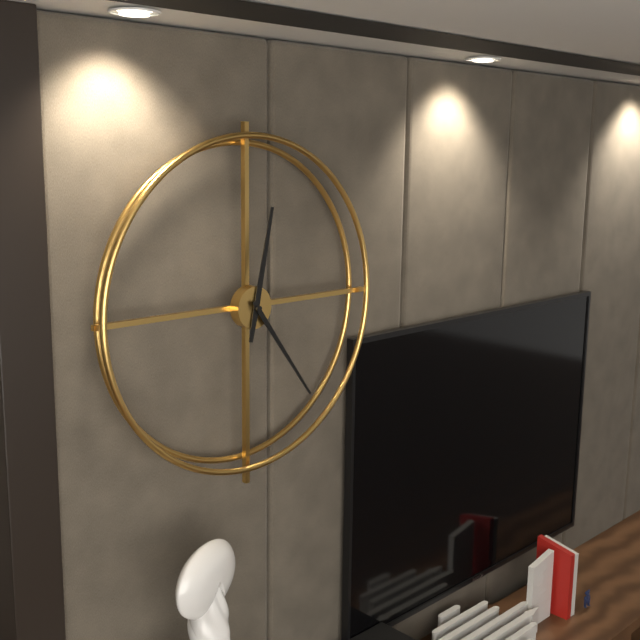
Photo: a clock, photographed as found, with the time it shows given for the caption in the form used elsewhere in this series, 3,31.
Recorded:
12,24
